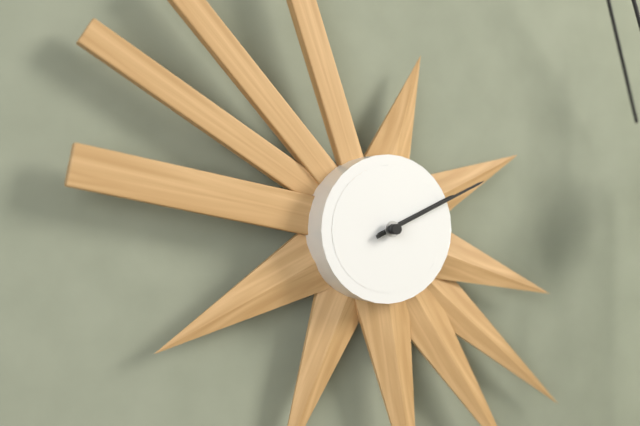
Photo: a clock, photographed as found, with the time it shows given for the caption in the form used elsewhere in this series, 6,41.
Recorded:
2,11
